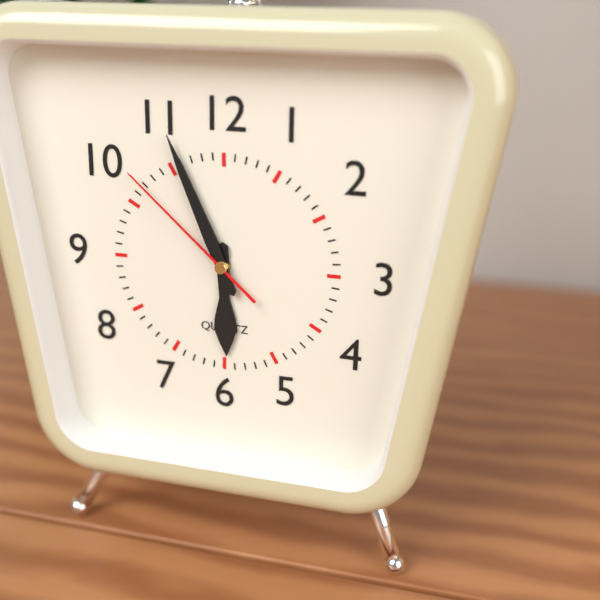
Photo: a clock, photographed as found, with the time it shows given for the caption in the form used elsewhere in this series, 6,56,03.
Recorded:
5,56,52
